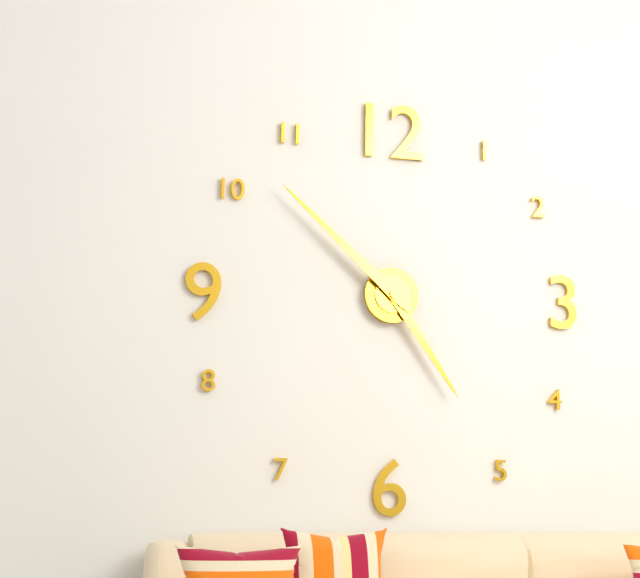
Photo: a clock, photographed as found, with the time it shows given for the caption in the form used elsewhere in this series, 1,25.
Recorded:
4,52
